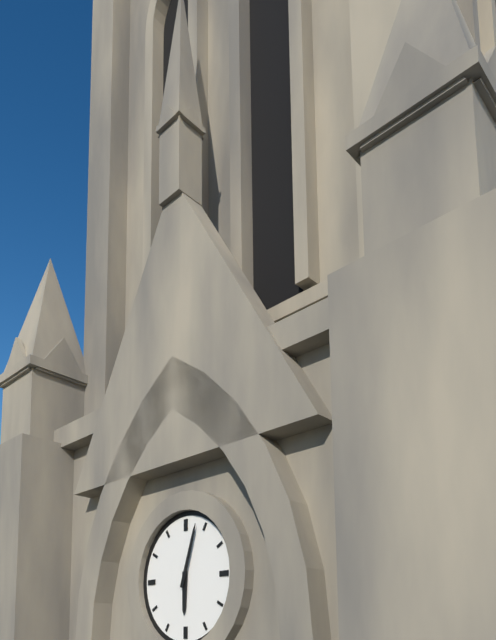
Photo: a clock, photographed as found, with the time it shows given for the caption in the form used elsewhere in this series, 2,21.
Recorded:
6,03
